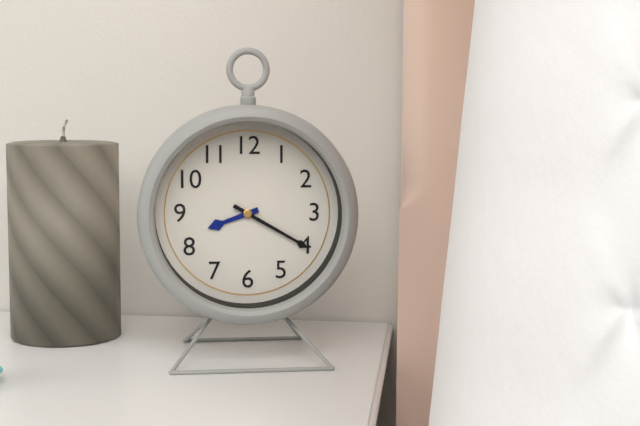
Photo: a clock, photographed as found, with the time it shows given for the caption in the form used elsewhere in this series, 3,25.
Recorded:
8,20
